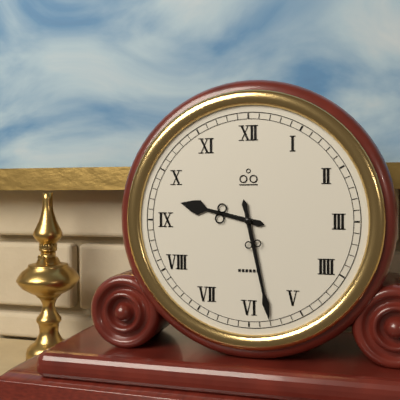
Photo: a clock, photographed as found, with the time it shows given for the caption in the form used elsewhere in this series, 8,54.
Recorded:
9,28
